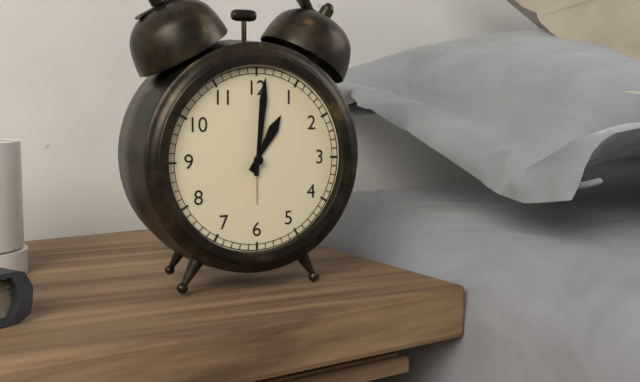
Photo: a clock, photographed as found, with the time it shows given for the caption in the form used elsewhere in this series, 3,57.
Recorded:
1,01
